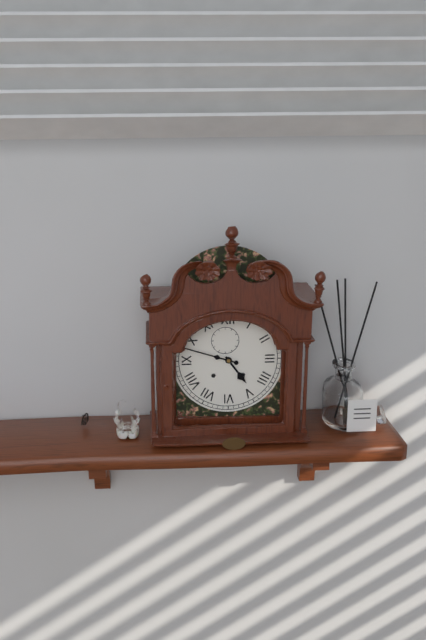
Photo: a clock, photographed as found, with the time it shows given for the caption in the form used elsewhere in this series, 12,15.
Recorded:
4,48
